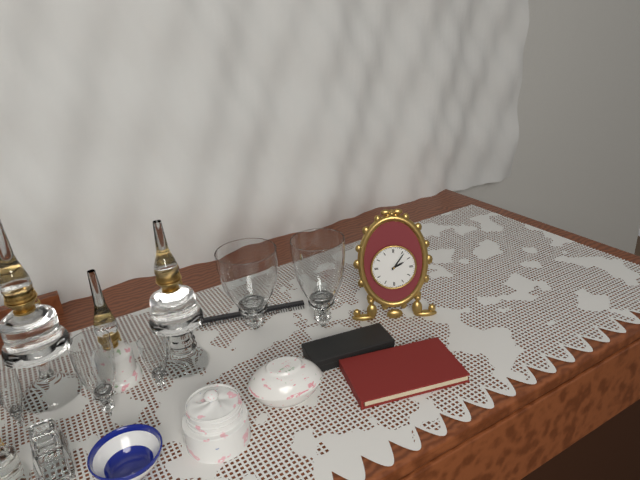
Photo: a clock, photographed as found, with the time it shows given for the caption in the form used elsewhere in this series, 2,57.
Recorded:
2,06
